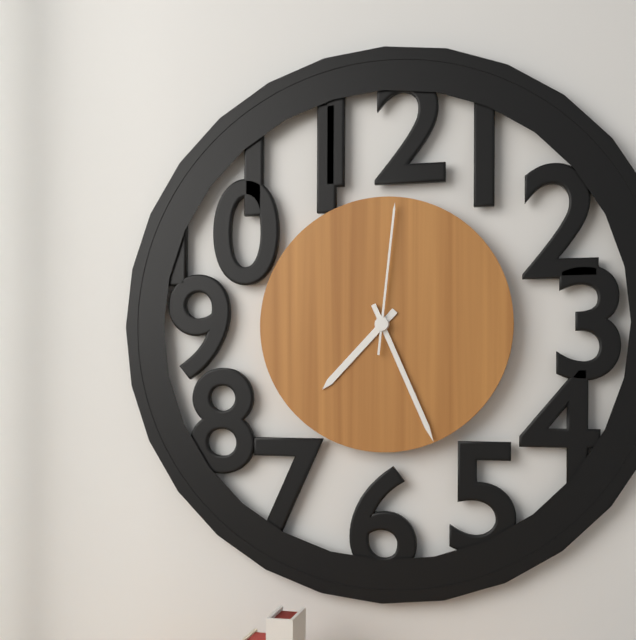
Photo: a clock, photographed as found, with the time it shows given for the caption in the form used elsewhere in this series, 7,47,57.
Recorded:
7,26,01
